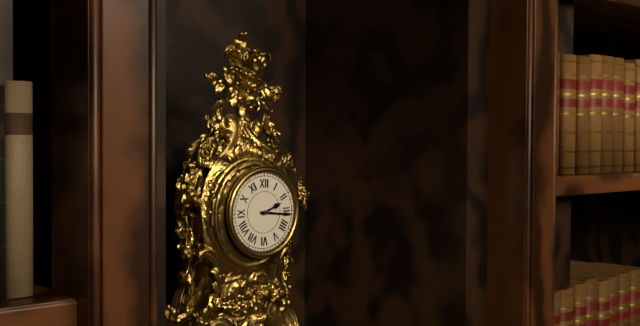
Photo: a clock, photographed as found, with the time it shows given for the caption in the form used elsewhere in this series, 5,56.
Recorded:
2,16
